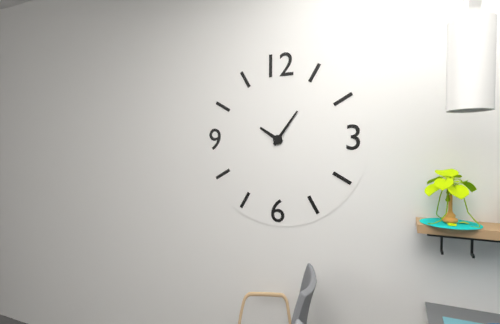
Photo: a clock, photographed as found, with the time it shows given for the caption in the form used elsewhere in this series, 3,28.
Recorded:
10,06
